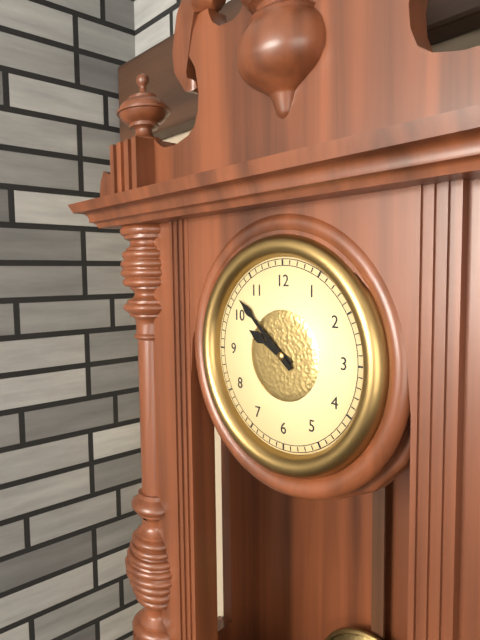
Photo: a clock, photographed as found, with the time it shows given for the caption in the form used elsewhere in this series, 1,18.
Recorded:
9,52
